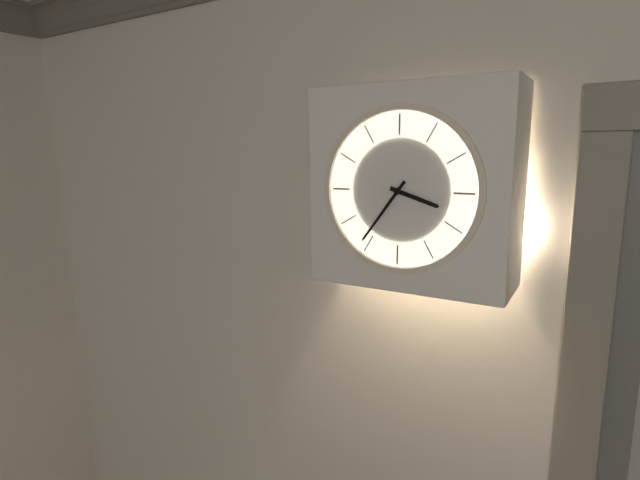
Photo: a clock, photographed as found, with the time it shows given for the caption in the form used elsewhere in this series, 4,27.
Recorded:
3,36
